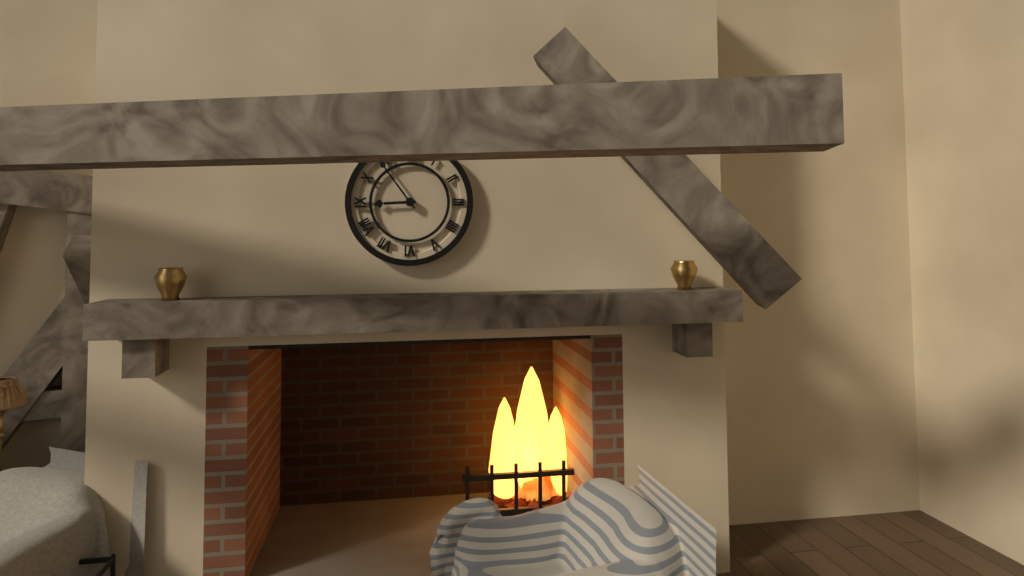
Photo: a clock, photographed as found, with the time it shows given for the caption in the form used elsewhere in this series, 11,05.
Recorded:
8,54
